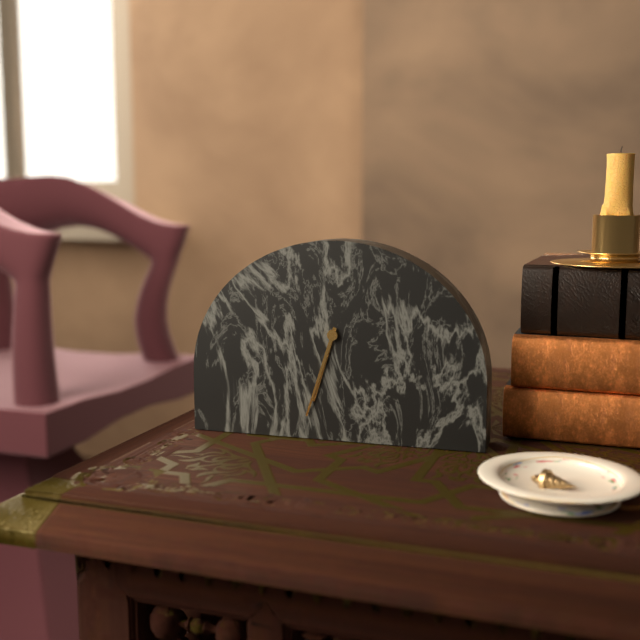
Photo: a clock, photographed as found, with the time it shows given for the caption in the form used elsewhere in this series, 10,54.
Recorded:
6,33
